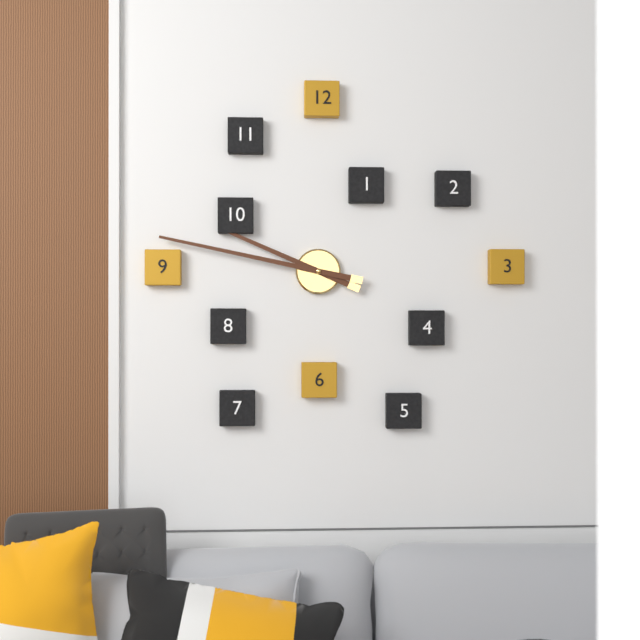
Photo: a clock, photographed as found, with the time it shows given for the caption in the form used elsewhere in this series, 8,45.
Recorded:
9,47
